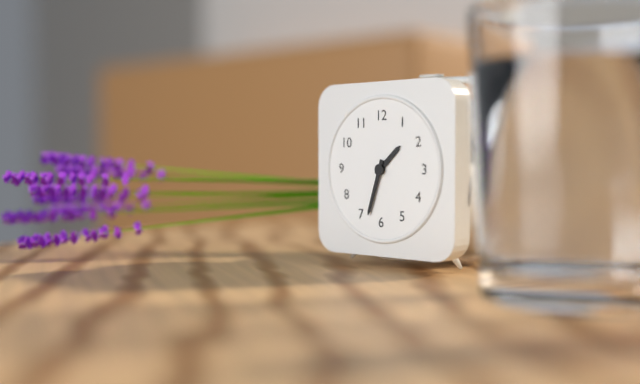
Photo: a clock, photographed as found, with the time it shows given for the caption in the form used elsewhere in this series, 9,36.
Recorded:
1,33
